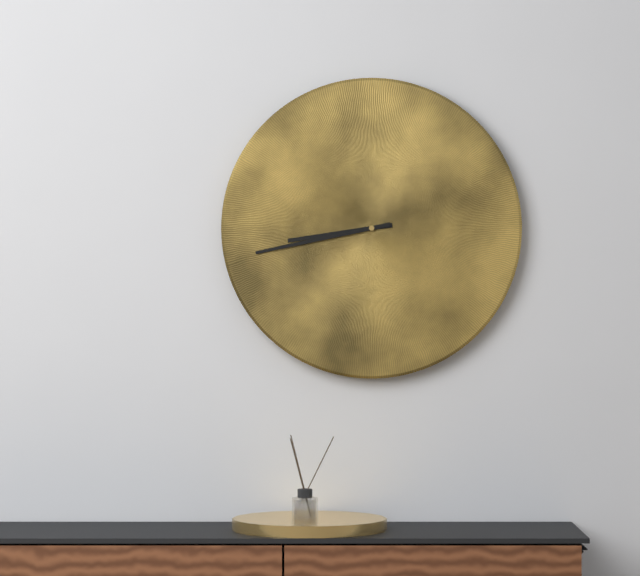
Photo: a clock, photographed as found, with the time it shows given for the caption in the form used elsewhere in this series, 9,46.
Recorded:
8,43
